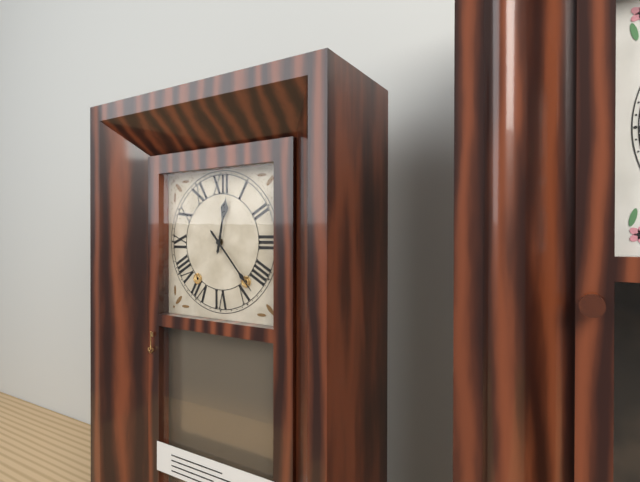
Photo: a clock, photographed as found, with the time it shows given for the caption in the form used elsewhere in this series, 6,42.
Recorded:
12,23
